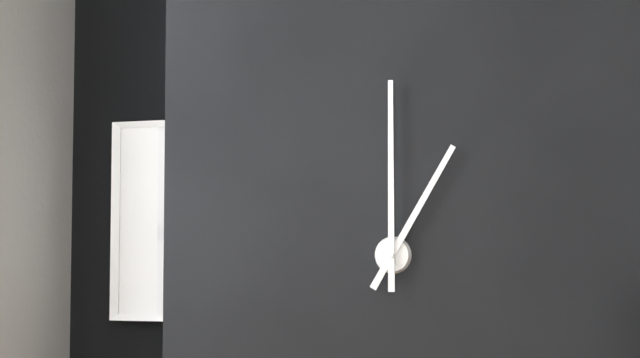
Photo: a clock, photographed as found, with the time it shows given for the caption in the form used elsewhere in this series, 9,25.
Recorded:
1,00
